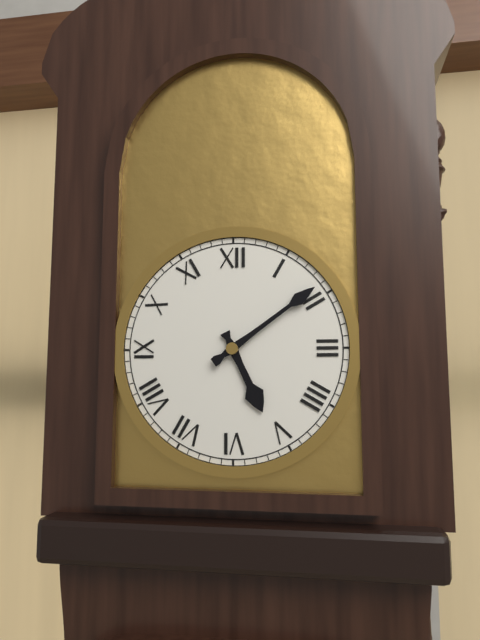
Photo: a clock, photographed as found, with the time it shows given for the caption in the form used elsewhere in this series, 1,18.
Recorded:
5,09
